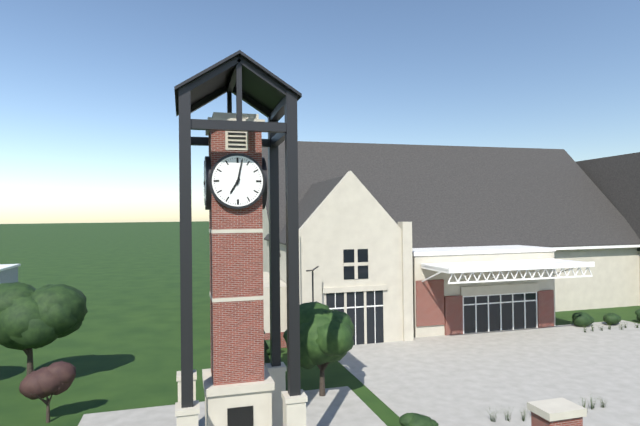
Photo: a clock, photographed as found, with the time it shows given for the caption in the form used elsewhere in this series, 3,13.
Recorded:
7,02
